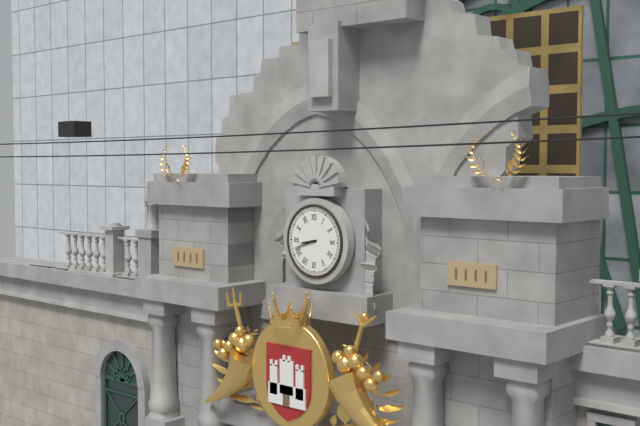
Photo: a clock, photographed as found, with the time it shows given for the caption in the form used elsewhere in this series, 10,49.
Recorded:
8,42
